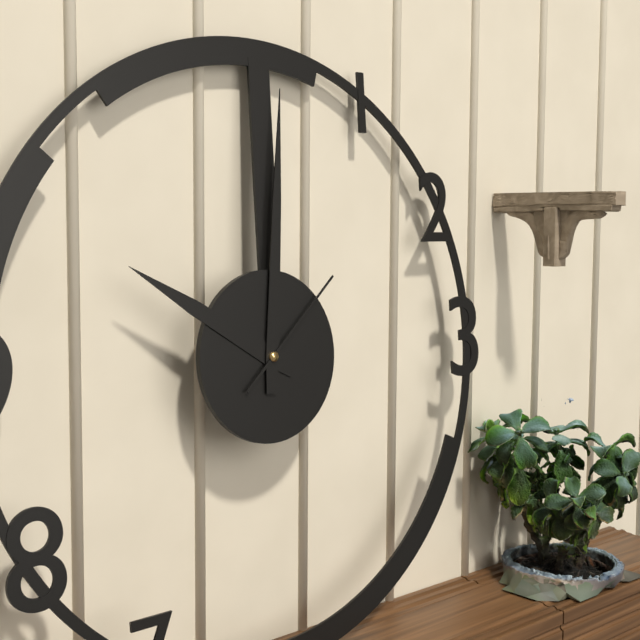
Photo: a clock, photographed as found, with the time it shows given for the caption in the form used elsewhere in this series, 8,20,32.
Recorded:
10,01,08
